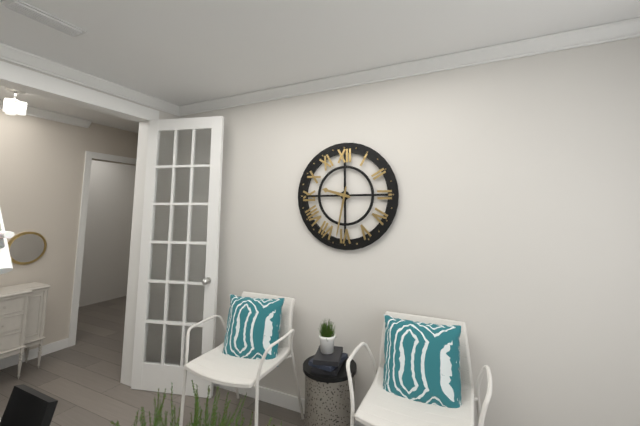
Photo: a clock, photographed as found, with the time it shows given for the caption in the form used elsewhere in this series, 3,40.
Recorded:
9,32
